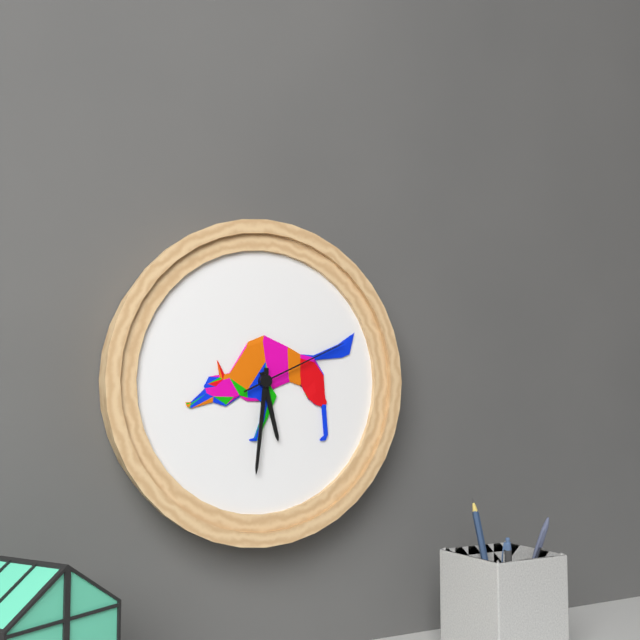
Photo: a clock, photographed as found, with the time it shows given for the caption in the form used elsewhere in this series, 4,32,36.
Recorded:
5,31,11
